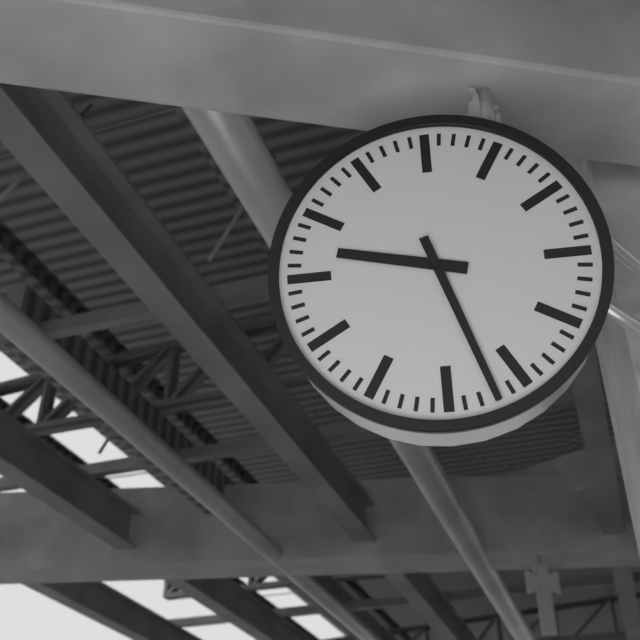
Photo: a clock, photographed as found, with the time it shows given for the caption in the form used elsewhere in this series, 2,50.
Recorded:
9,27
